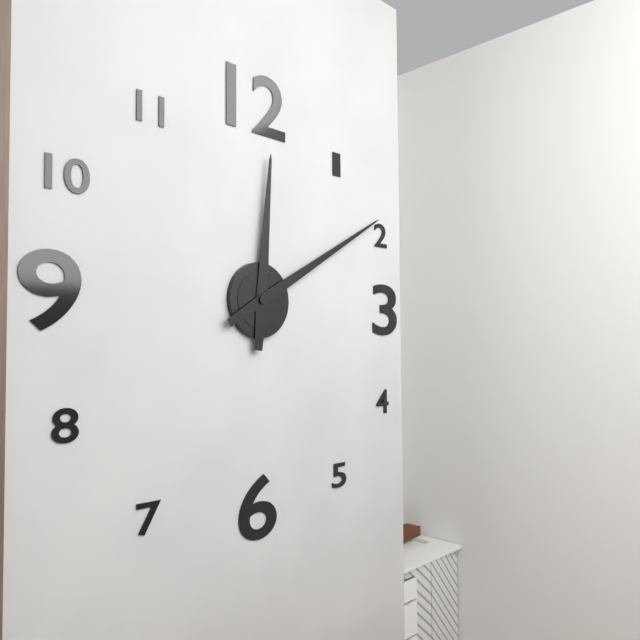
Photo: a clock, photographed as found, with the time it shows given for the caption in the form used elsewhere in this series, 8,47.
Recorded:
12,10
